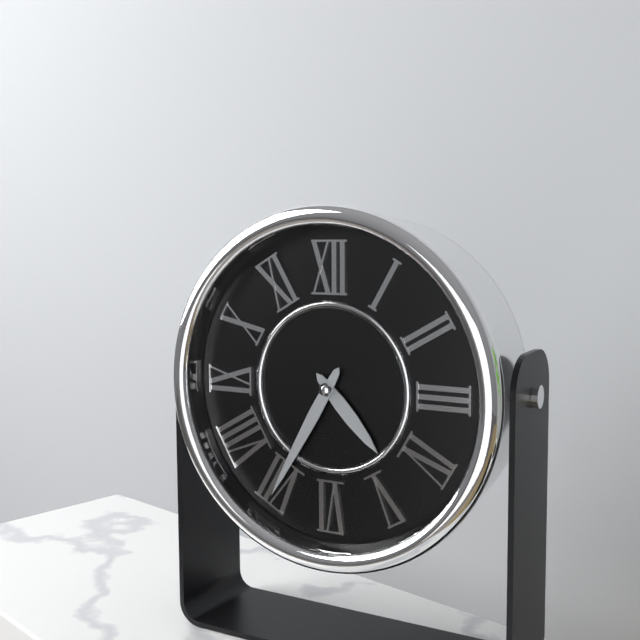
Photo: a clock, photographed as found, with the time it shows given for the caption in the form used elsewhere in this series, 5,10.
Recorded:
4,35
